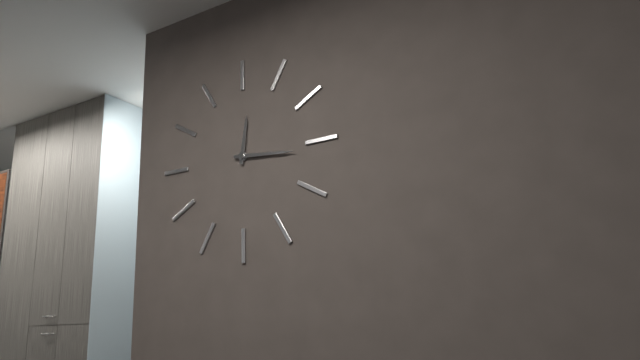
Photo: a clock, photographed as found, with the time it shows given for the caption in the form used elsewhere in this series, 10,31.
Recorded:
12,16
